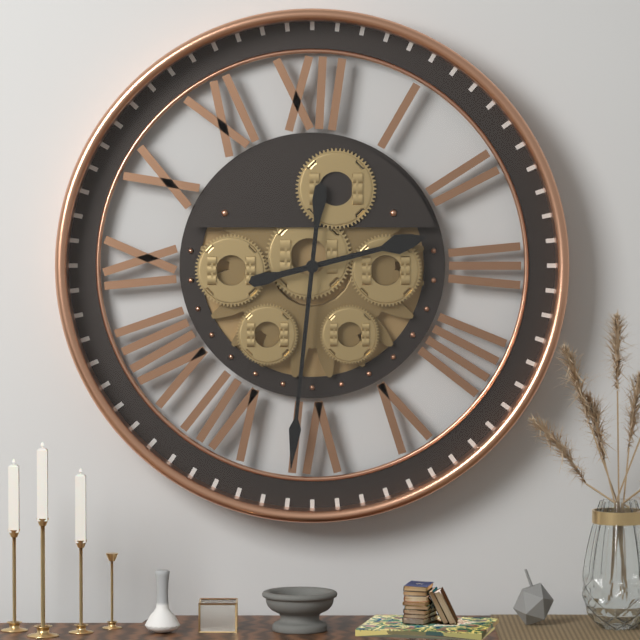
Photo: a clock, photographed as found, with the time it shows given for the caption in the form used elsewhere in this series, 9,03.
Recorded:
2,31
